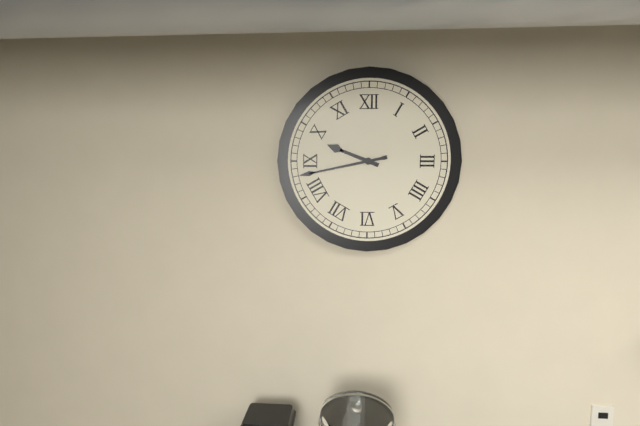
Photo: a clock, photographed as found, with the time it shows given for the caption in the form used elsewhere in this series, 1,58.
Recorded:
9,43
